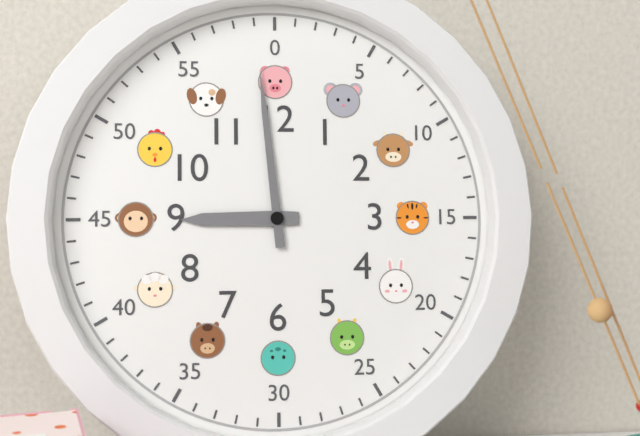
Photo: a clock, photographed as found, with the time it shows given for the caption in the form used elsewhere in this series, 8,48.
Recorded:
8,59
